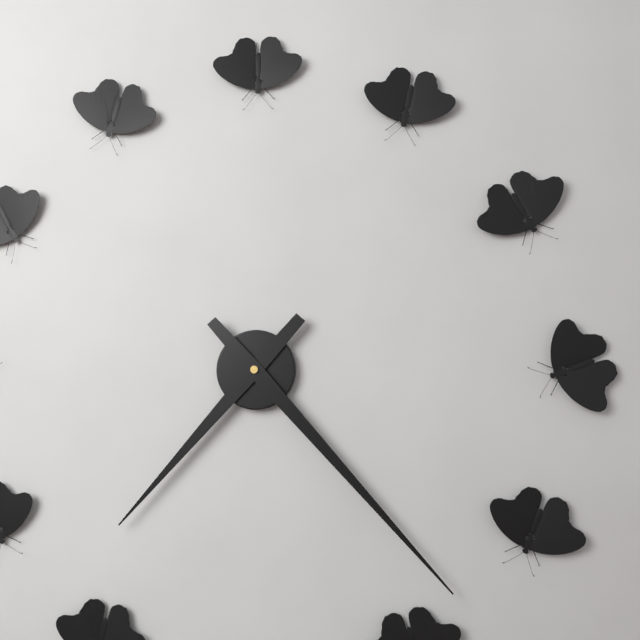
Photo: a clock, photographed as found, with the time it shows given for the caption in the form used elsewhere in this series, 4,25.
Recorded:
7,23
